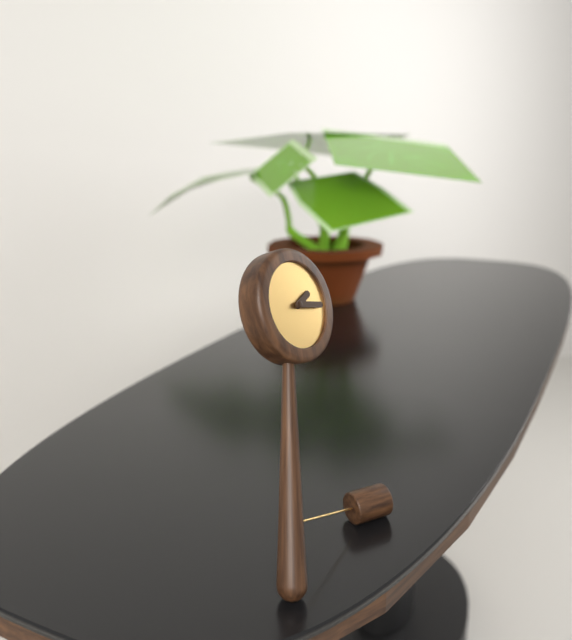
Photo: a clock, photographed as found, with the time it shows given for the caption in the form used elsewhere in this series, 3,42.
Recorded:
2,17
